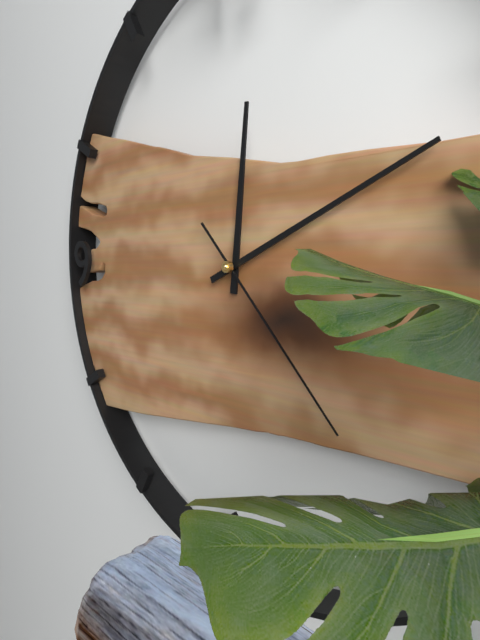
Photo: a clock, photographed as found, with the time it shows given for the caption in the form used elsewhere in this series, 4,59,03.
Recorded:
12,11,23
